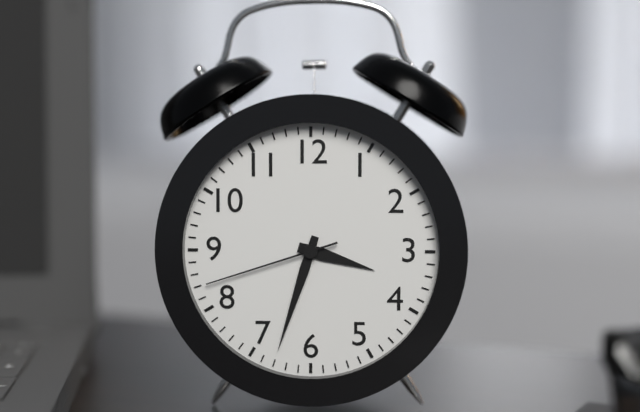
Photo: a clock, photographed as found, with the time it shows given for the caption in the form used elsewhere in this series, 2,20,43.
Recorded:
3,33,42
